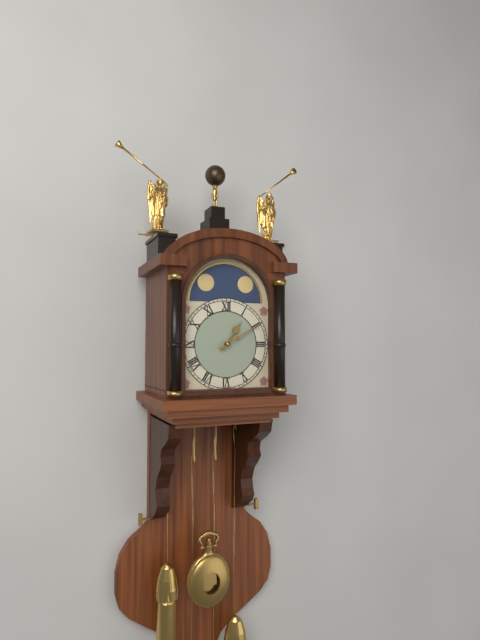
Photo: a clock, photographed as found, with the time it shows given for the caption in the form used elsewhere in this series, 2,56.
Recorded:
1,10
